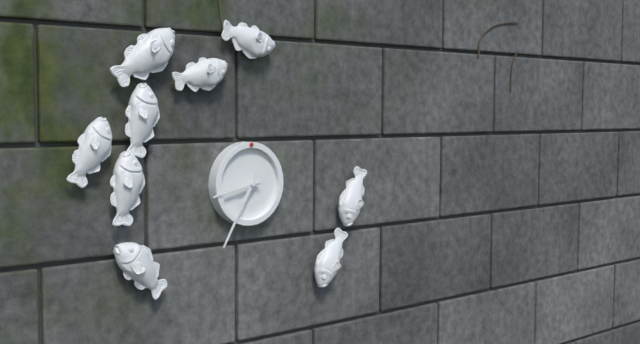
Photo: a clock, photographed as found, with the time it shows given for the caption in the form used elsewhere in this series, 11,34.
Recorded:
8,35
